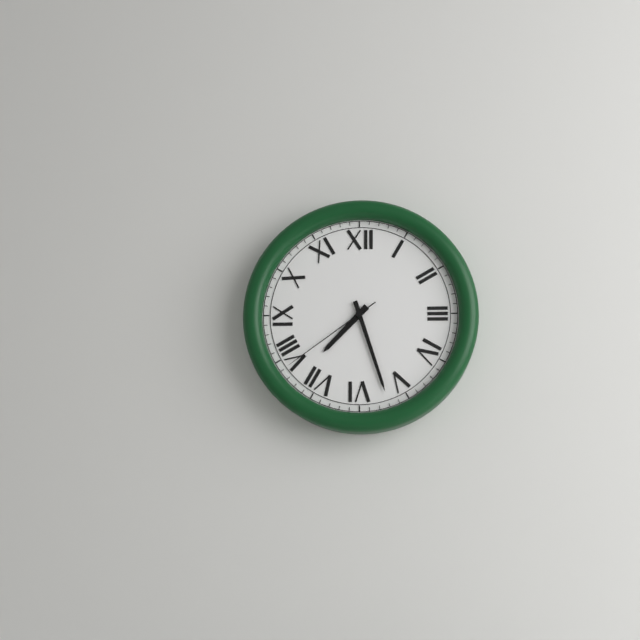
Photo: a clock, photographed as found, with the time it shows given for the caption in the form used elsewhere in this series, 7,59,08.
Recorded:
7,27,39
